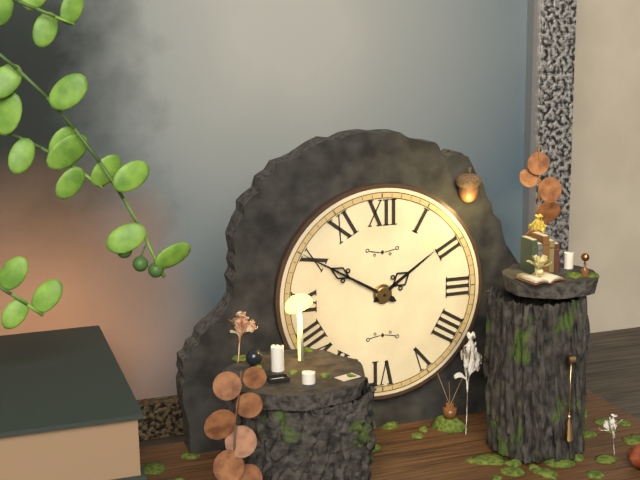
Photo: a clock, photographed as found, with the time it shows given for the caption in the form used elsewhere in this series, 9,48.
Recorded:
1,50
